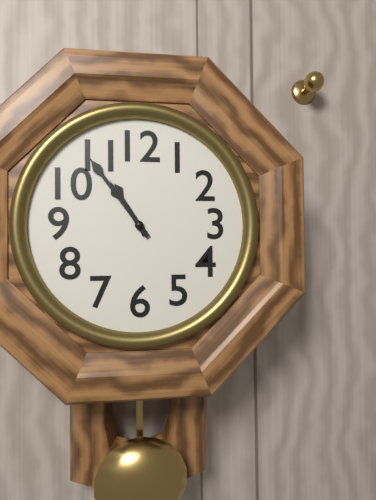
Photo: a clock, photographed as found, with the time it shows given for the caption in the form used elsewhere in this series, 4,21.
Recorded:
10,54
